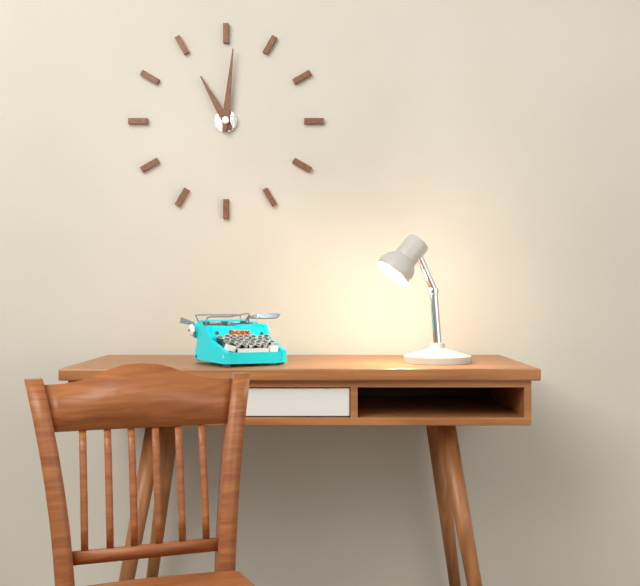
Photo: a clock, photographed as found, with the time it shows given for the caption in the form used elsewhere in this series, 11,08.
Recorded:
11,01
